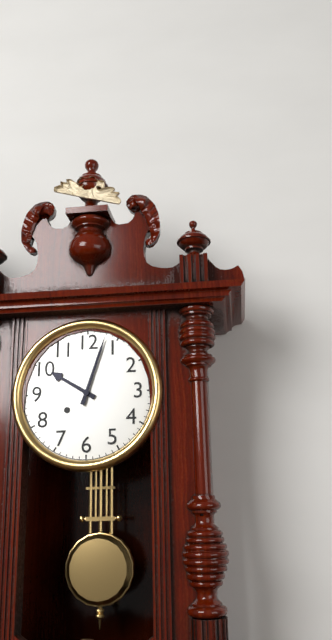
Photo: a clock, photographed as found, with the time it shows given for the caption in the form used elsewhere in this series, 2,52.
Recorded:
10,03
